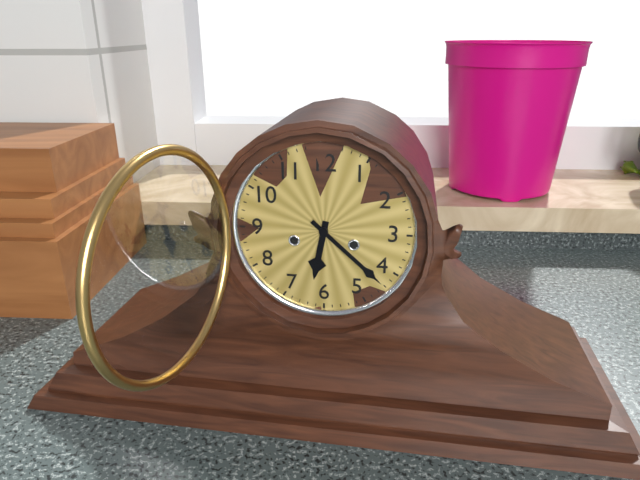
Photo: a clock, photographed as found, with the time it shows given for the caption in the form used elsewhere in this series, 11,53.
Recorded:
6,22
